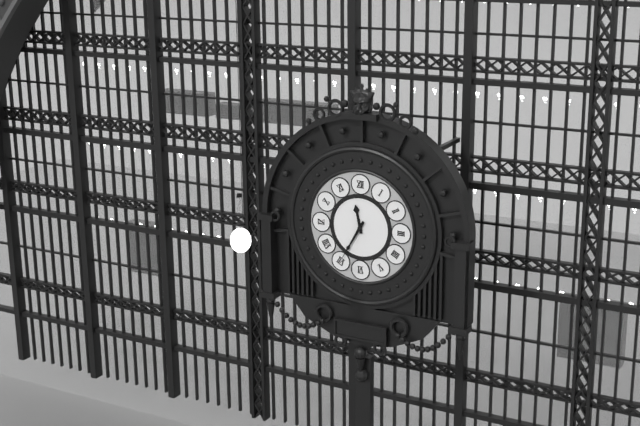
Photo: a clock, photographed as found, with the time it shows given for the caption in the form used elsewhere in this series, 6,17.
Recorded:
11,35
